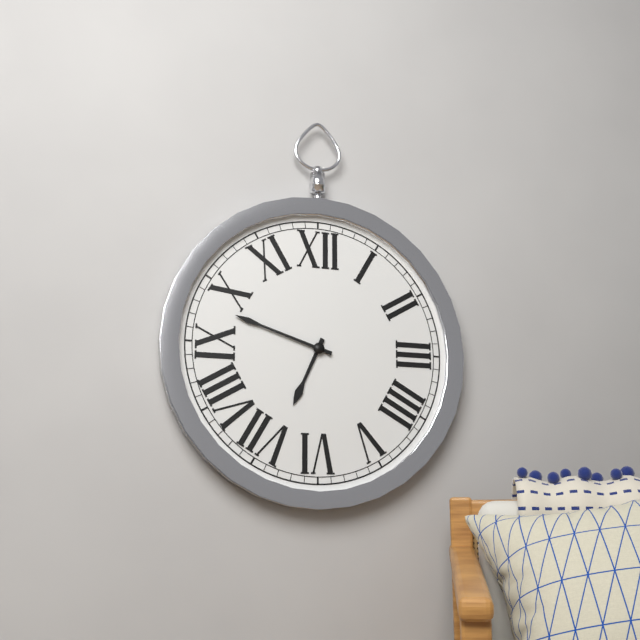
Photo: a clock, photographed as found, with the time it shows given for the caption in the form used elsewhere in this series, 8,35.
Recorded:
6,48
